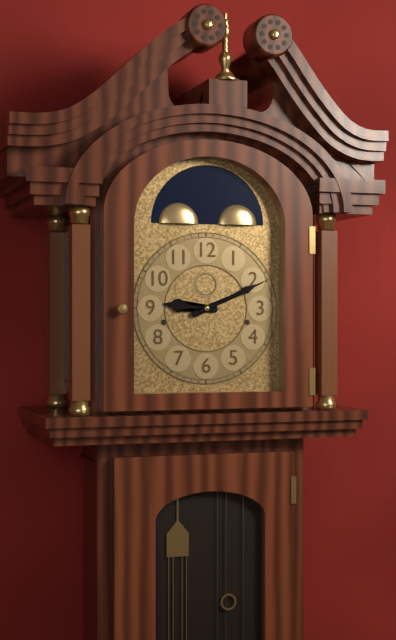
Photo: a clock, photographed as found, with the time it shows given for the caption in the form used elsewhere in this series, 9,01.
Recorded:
9,11
